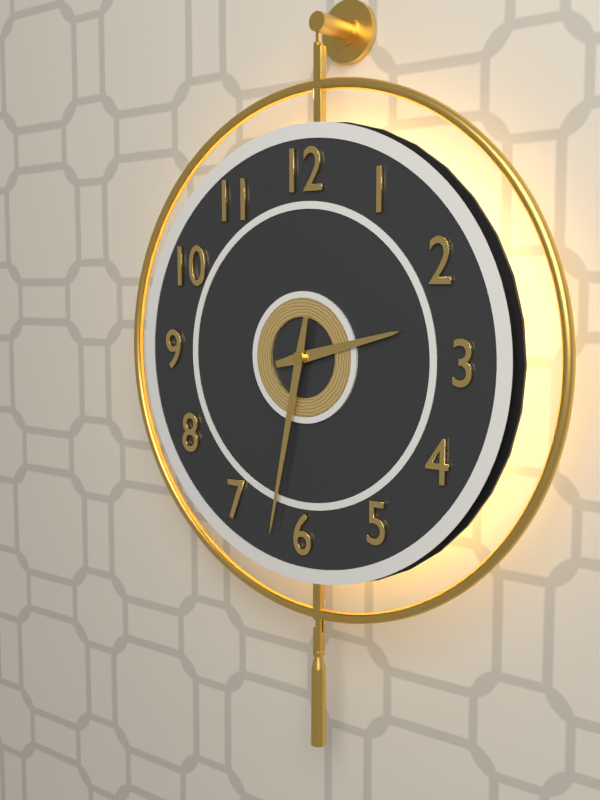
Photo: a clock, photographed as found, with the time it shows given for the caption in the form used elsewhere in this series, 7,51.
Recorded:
2,32
